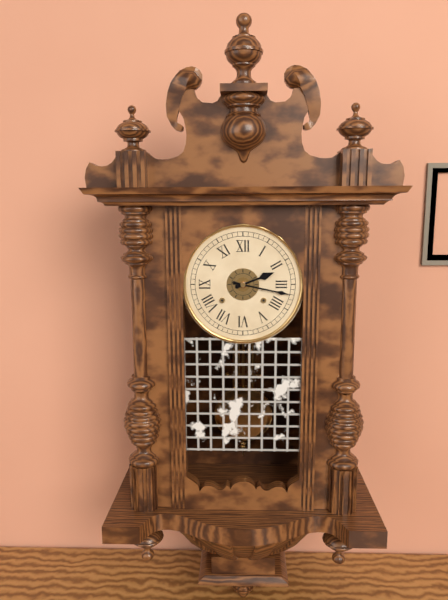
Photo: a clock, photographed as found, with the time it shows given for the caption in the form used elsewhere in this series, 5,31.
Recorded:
2,17
